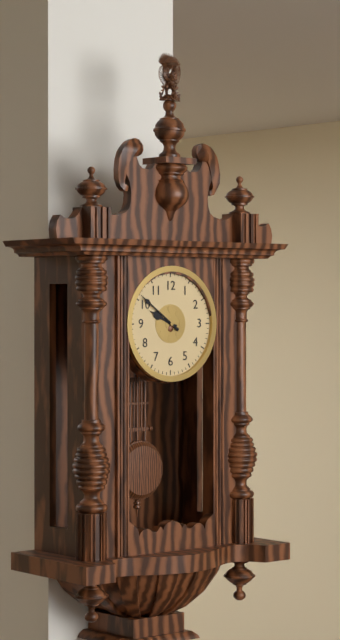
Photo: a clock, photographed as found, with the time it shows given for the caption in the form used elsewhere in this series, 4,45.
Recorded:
9,51
